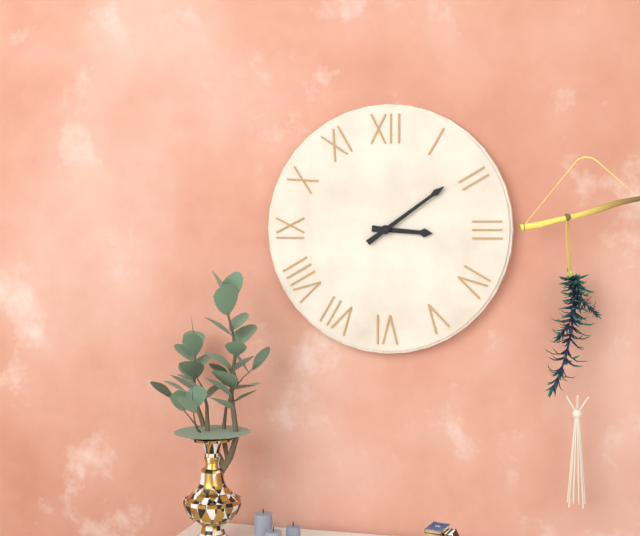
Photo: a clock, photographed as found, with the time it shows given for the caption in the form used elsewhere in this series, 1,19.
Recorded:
3,09
